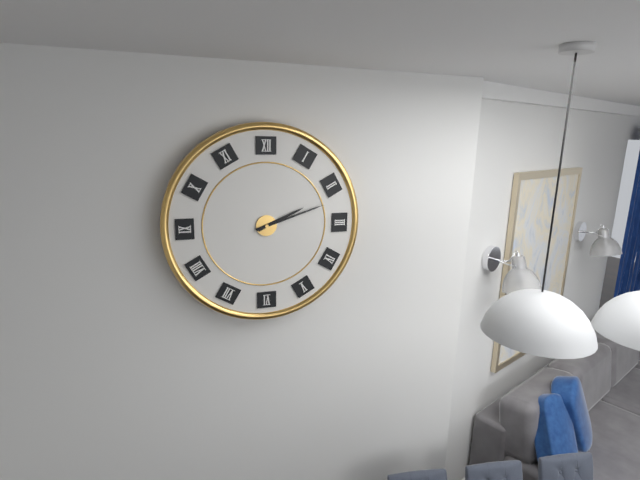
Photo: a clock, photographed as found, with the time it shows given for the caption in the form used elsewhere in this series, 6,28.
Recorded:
2,12
